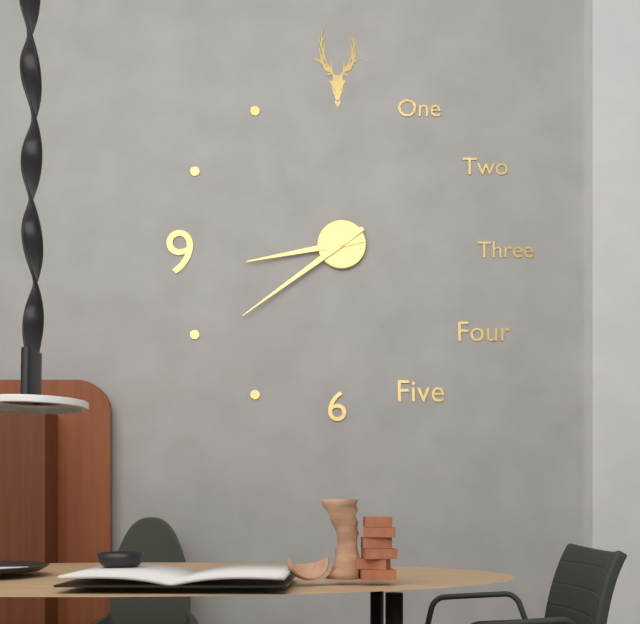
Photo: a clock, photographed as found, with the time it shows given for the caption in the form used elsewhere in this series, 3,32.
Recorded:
8,39
